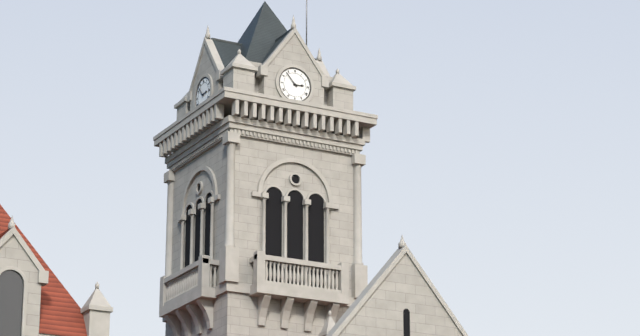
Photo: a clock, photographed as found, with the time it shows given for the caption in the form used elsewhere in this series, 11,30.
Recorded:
2,53
